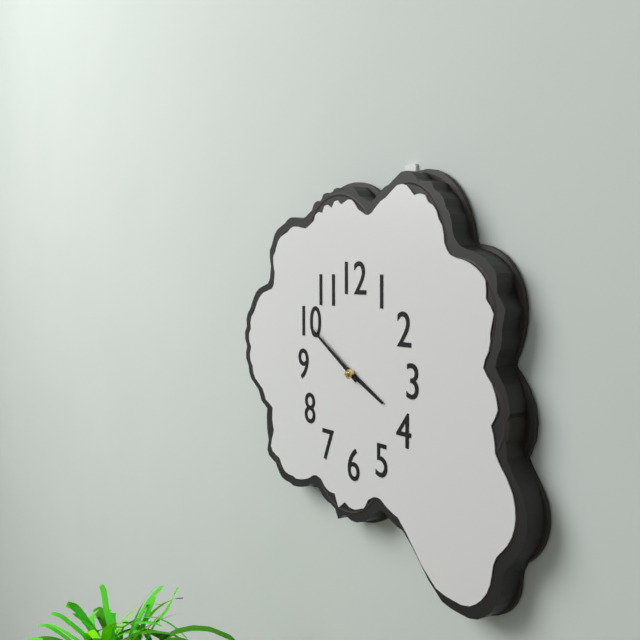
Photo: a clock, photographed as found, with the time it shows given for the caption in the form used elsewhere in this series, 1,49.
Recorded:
3,50
